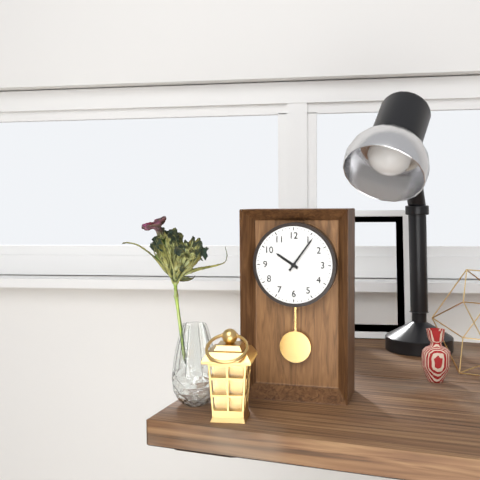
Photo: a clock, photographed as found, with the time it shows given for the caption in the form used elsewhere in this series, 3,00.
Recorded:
10,06
